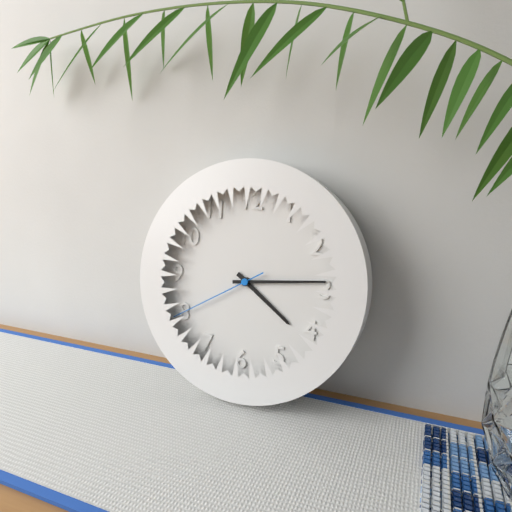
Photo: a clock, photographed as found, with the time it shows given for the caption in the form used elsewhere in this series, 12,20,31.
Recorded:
4,14,40
